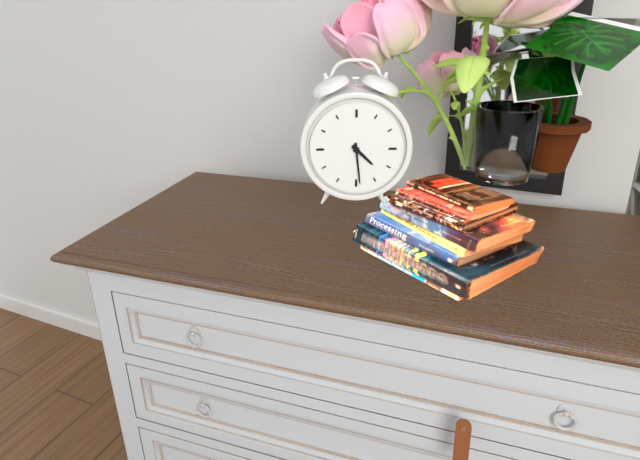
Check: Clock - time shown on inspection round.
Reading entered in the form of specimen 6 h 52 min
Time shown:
4 h 29 min
